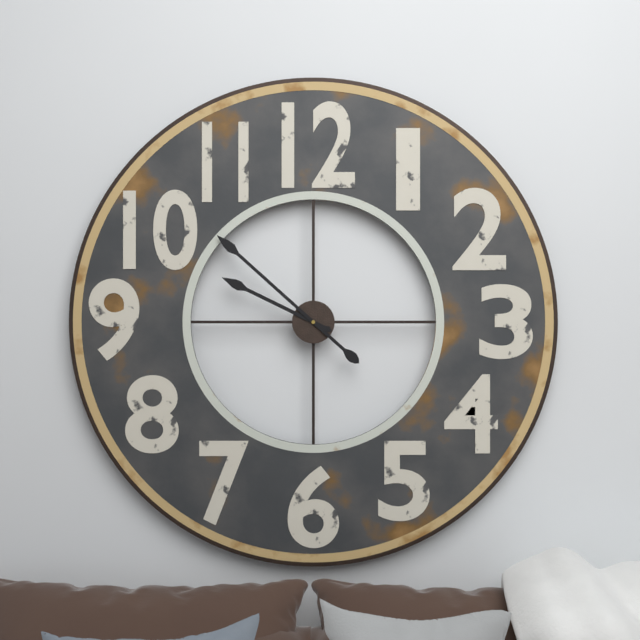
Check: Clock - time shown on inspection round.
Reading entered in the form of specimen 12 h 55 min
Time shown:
9 h 52 min
